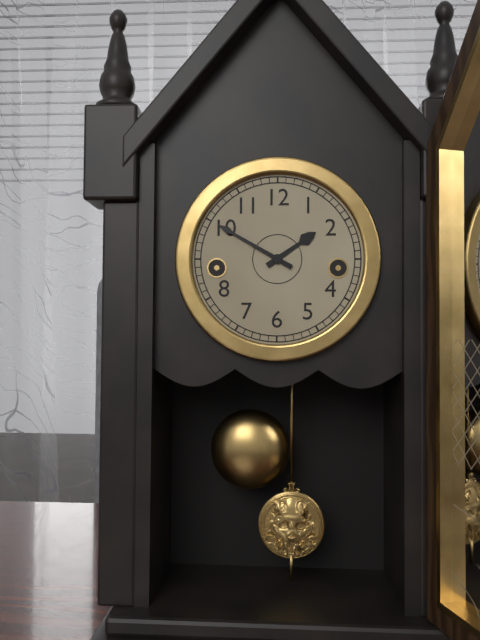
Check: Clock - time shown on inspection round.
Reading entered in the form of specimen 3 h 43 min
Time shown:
1 h 50 min
